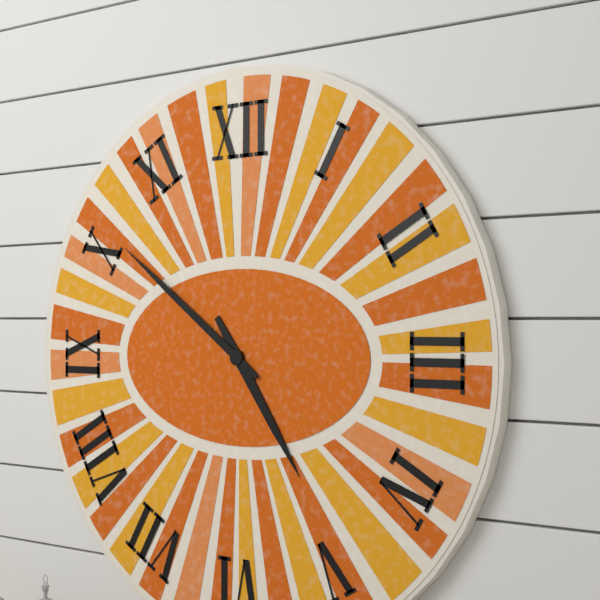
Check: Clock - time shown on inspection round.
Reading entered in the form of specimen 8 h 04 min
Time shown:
4 h 51 min
